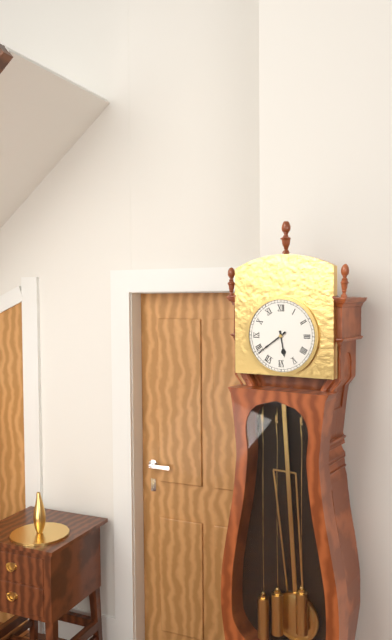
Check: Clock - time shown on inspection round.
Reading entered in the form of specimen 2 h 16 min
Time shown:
5 h 39 min
